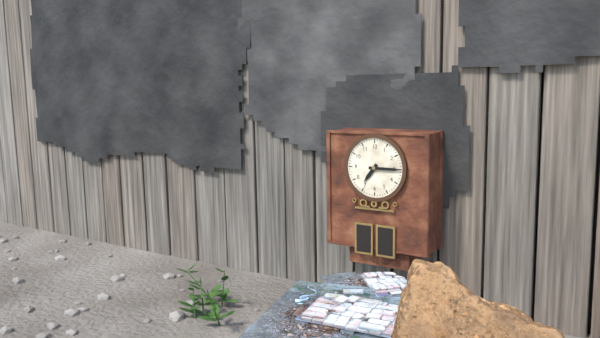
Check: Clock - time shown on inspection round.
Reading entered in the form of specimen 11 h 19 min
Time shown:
7 h 15 min
